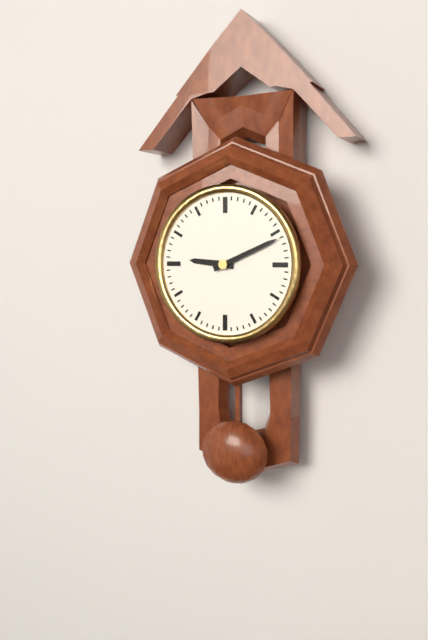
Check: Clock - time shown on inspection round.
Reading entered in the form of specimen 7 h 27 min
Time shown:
9 h 11 min
